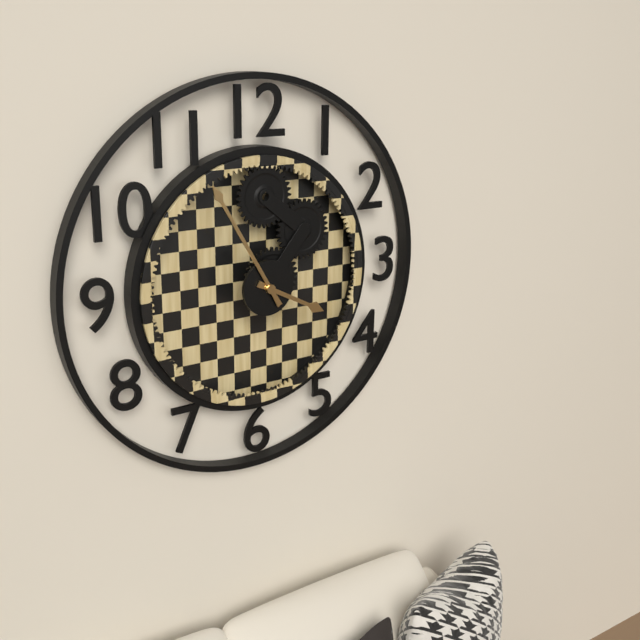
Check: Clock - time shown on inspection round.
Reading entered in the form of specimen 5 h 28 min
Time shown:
3 h 55 min
